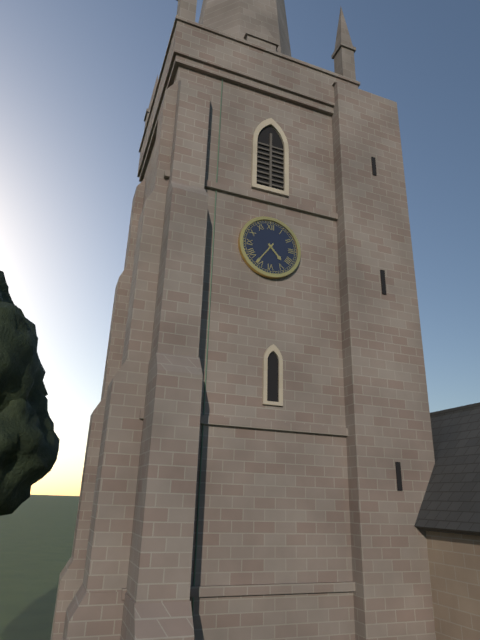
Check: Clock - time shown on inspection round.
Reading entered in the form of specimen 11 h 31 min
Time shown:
4 h 36 min
